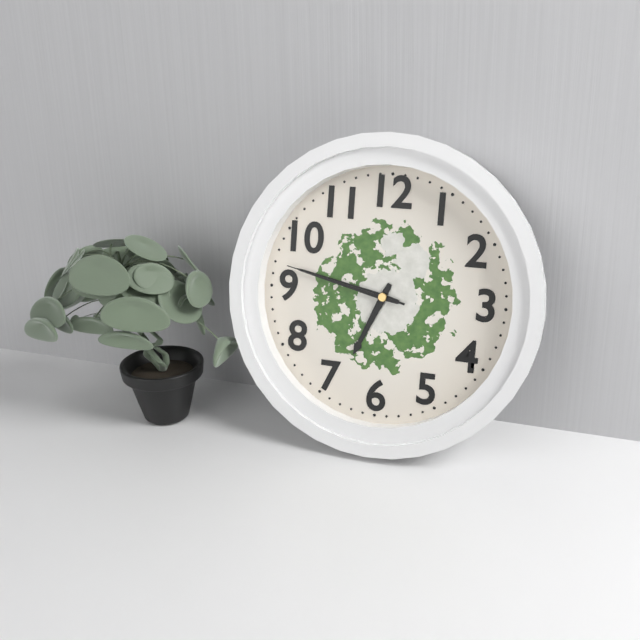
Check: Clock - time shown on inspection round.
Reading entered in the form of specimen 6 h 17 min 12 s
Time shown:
6 h 47 min 47 s
